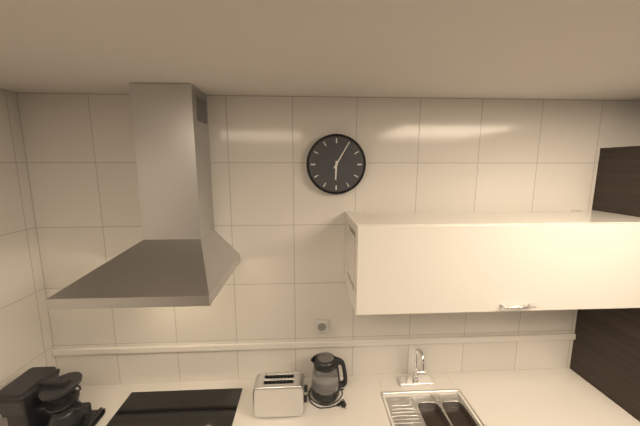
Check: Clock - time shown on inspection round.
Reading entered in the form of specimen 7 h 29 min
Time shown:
6 h 05 min
